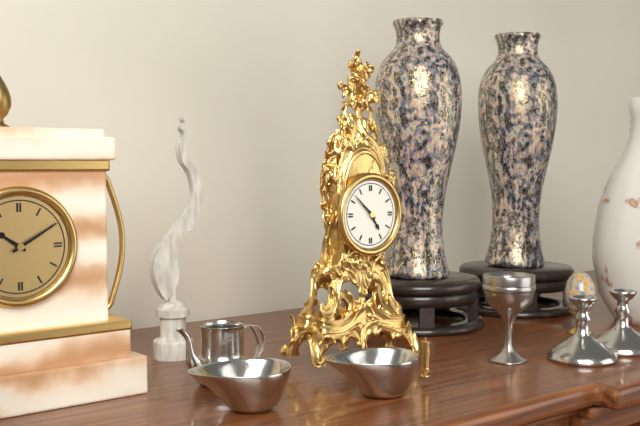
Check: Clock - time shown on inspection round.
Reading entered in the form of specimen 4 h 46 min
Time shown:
4 h 52 min
